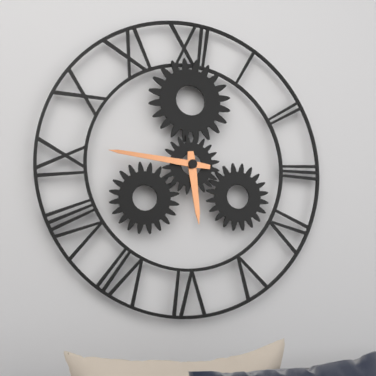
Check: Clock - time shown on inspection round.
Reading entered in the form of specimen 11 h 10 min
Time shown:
5 h 46 min
